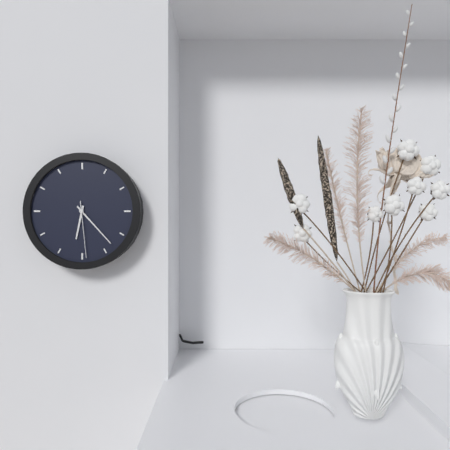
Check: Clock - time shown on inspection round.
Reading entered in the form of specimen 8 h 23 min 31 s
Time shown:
6 h 23 min 29 s
